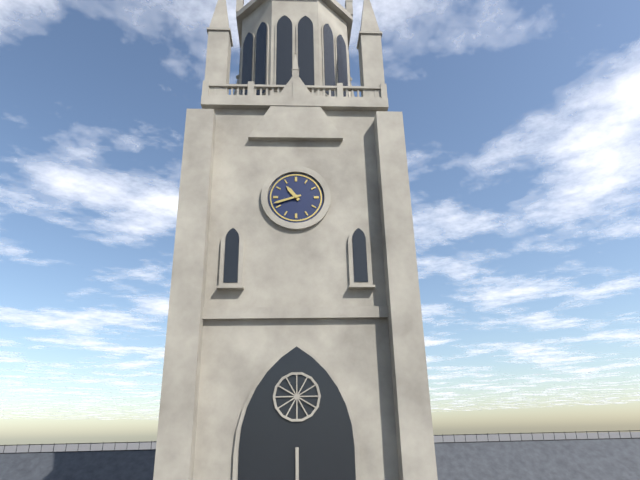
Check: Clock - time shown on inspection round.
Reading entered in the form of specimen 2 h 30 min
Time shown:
10 h 42 min
